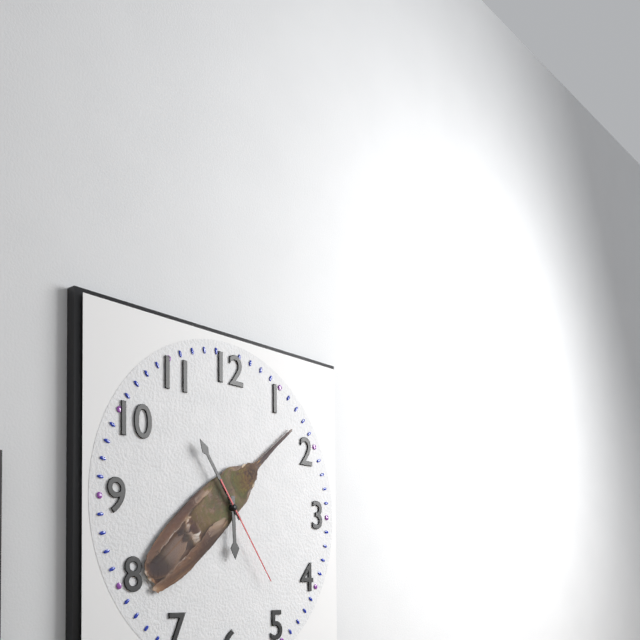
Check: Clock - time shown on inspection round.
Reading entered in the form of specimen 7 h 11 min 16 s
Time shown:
5 h 54 min 24 s
